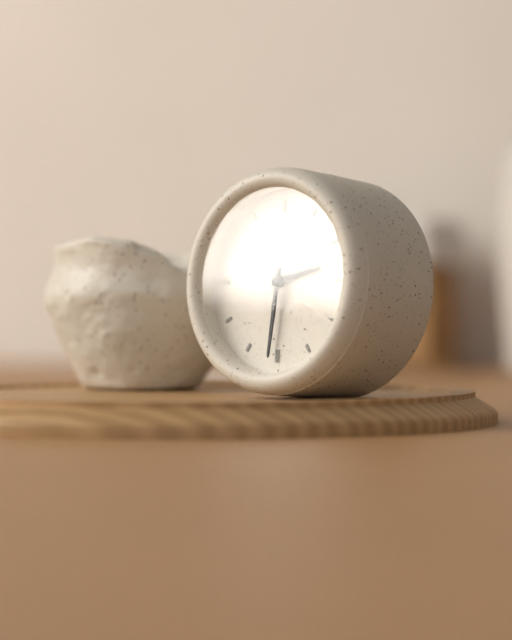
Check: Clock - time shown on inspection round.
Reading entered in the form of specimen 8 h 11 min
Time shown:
2 h 31 min
